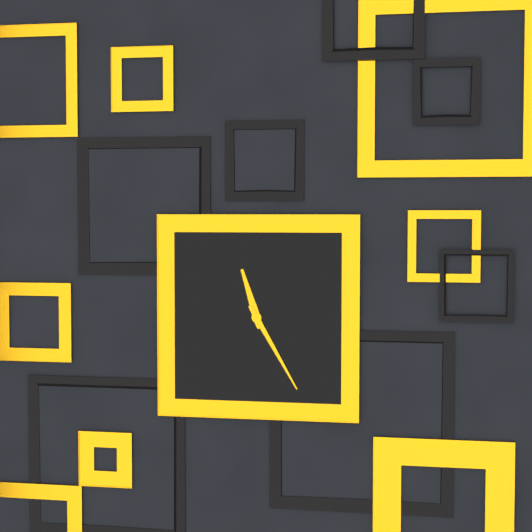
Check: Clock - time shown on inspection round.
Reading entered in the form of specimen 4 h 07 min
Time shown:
11 h 25 min
